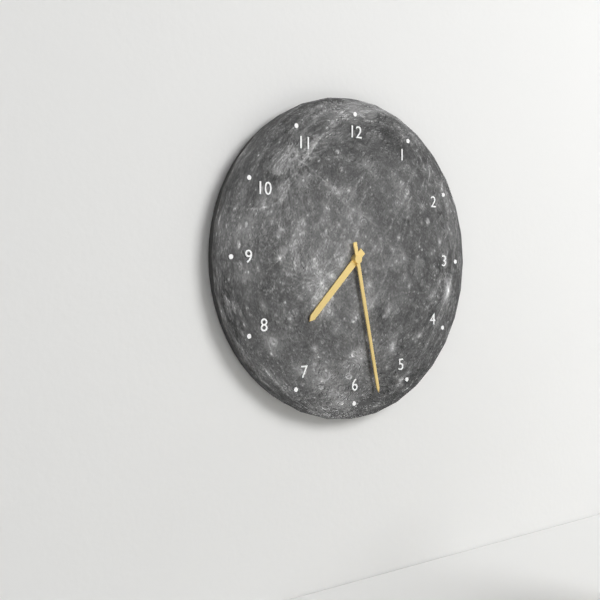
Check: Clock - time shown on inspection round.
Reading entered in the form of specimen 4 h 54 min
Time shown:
7 h 28 min
